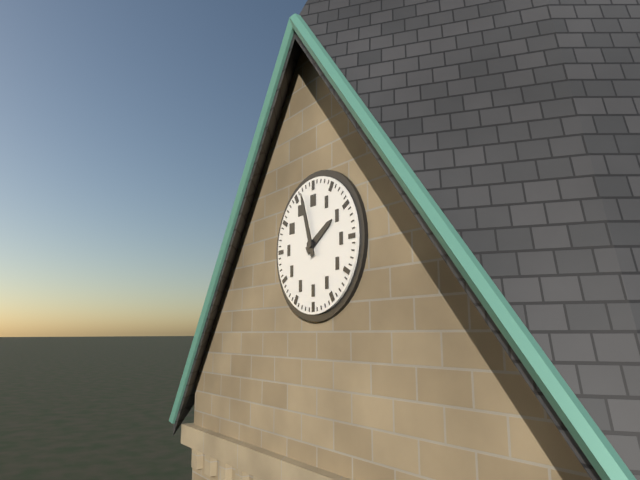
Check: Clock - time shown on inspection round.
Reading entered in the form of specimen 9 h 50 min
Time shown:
1 h 57 min
